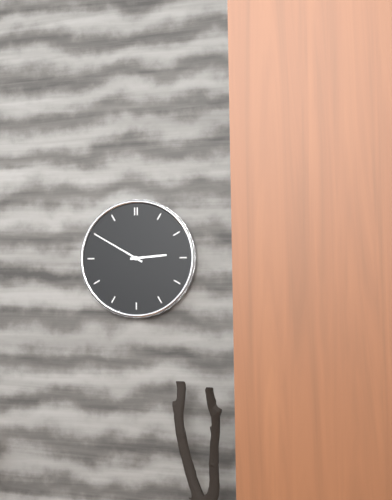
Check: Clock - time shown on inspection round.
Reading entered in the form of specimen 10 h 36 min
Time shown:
2 h 50 min
